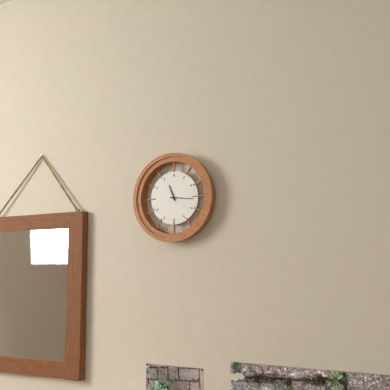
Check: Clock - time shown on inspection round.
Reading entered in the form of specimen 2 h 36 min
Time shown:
11 h 16 min
